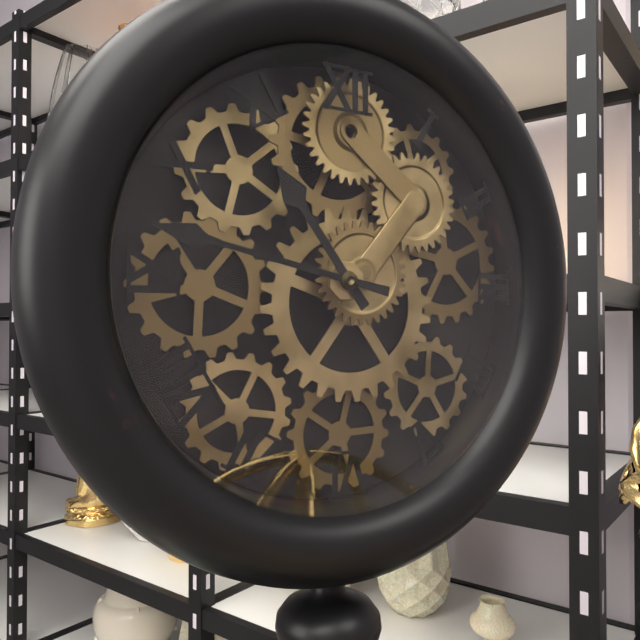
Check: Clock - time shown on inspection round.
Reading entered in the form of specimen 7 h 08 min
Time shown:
10 h 47 min
